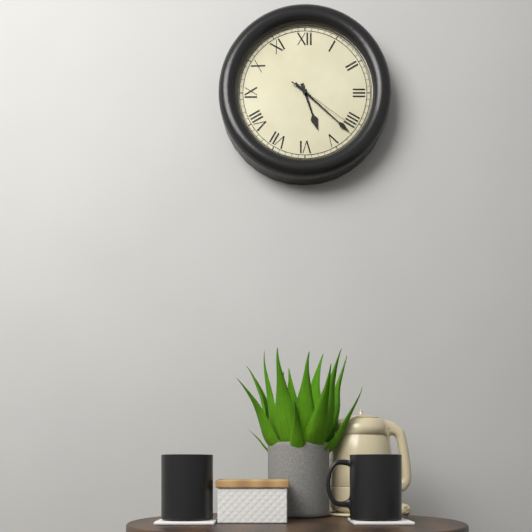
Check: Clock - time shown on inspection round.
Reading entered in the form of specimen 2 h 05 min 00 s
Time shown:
5 h 22 min 21 s
